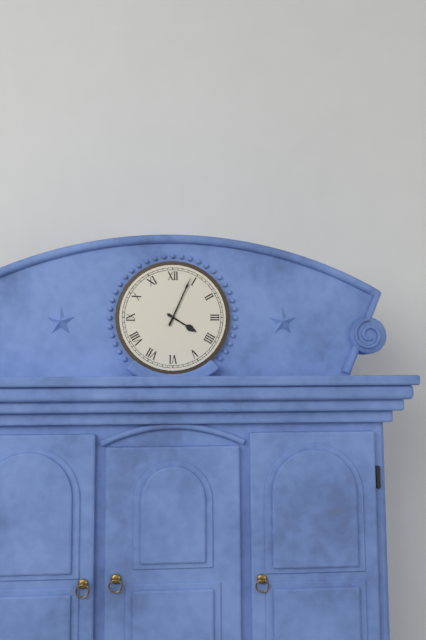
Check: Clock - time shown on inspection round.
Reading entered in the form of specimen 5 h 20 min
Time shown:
4 h 04 min
